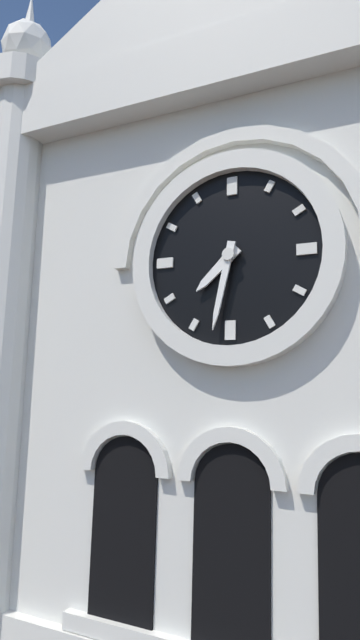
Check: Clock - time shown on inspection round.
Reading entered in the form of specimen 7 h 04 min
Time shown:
7 h 32 min
